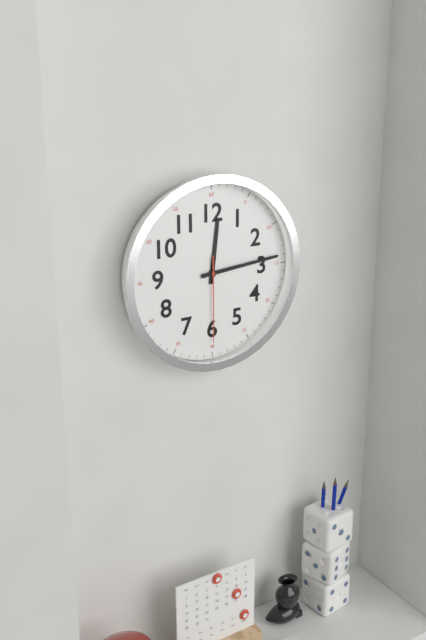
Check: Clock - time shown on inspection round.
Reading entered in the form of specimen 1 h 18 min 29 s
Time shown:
12 h 14 min 30 s
